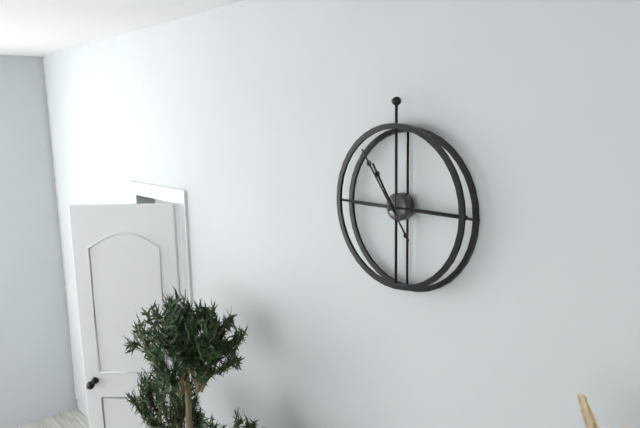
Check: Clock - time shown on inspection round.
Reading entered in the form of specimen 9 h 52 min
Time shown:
10 h 54 min
